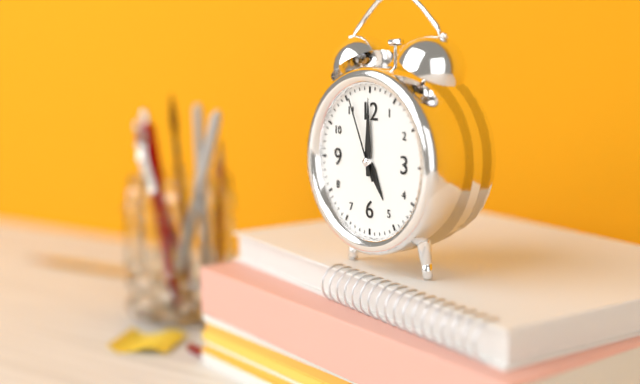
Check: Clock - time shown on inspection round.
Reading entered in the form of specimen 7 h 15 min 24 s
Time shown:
5 h 00 min 56 s
